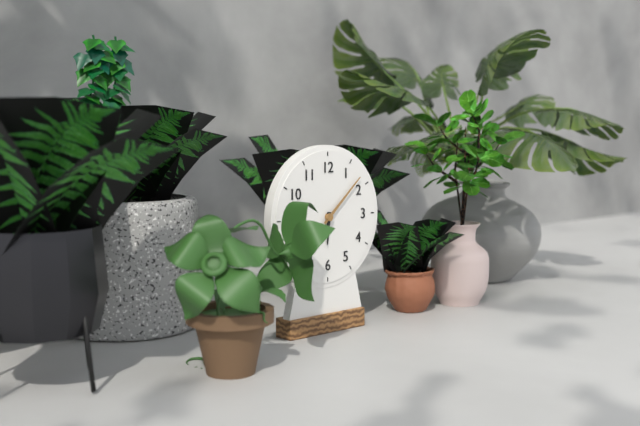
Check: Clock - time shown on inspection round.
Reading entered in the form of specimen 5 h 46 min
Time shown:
6 h 08 min
